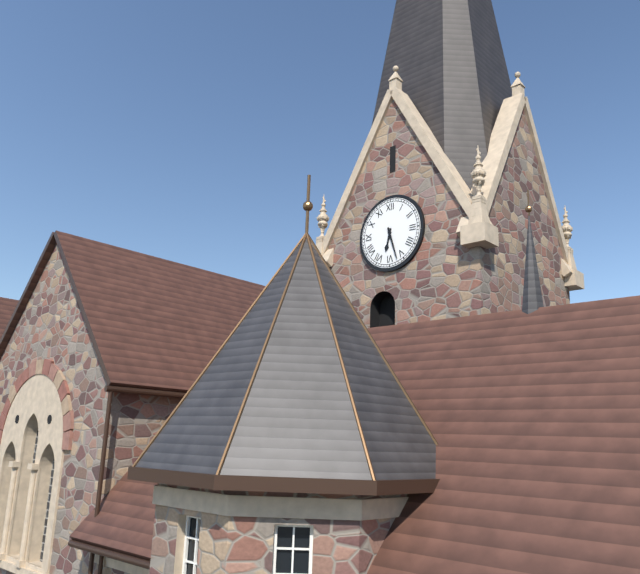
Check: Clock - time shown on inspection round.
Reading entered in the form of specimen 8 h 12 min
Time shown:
6 h 27 min
